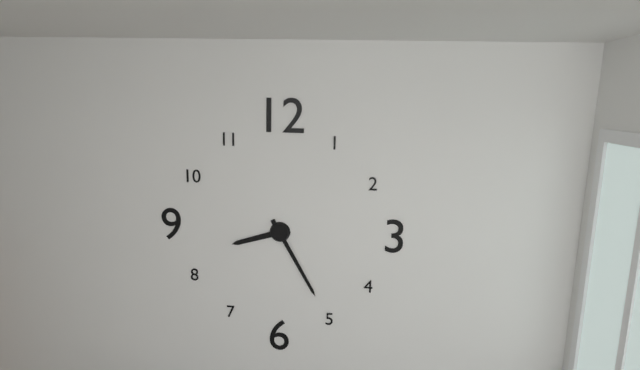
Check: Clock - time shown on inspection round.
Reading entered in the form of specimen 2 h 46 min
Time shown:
8 h 25 min
